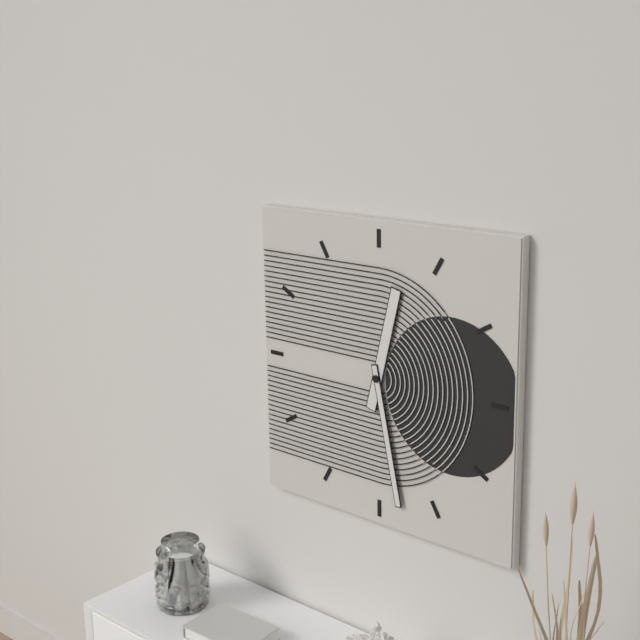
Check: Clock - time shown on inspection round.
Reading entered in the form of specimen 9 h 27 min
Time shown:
12 h 28 min
